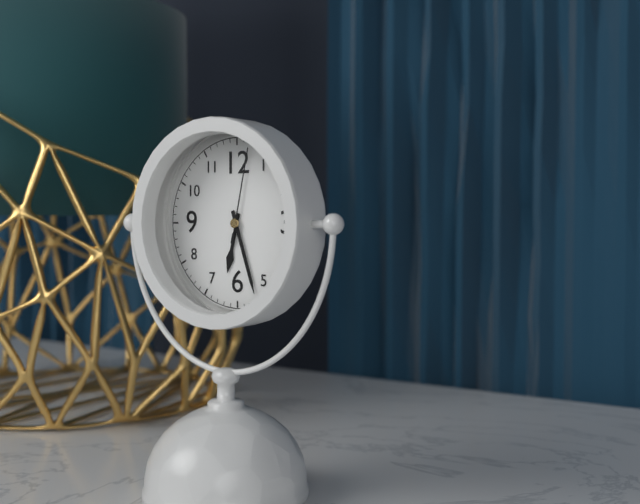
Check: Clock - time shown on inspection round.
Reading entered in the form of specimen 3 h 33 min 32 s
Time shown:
6 h 27 min 02 s
